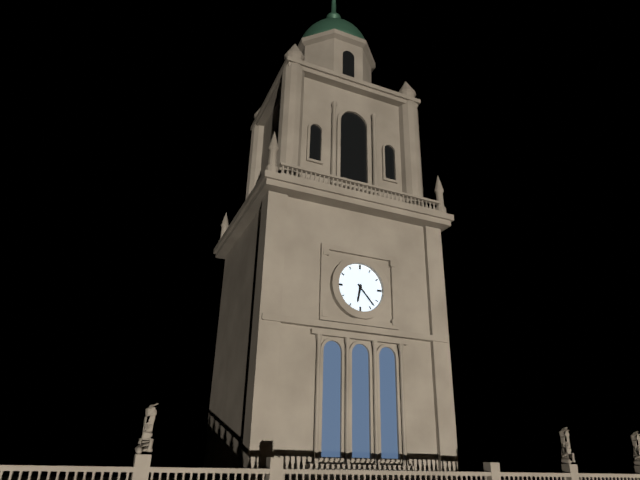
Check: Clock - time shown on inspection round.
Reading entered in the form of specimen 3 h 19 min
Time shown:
6 h 23 min
